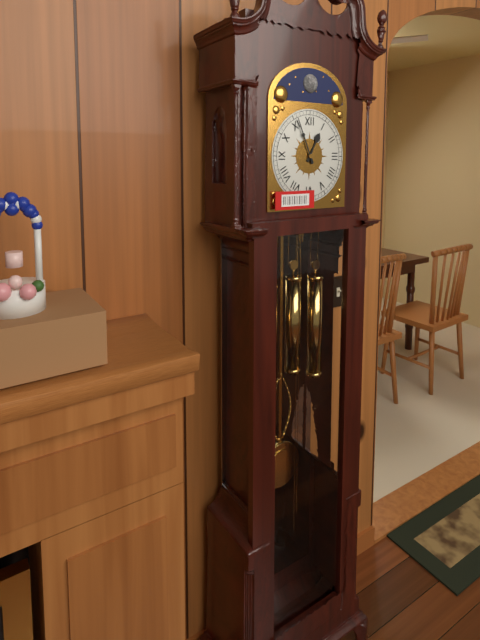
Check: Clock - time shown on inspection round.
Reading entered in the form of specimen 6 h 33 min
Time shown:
12 h 56 min
